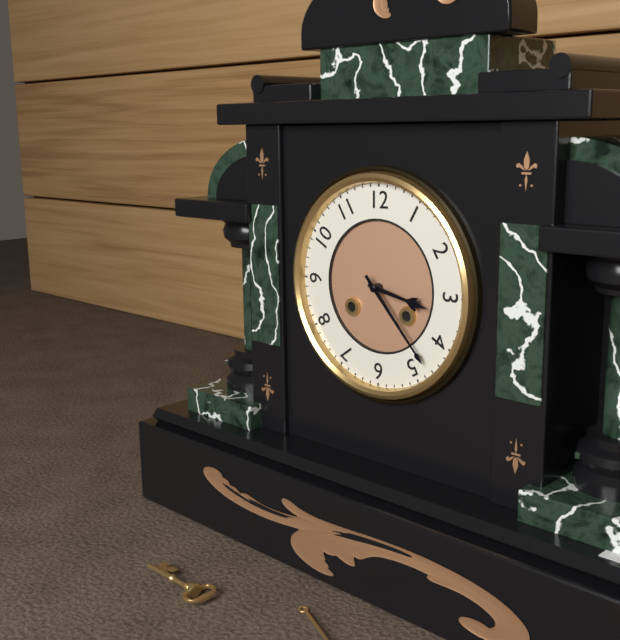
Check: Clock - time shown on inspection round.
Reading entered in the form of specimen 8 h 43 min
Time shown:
3 h 23 min
